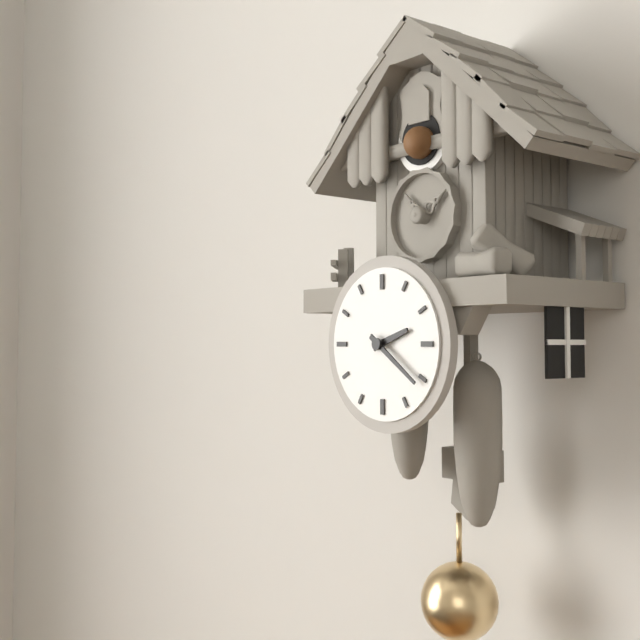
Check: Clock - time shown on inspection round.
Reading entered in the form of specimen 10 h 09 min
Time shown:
2 h 21 min
